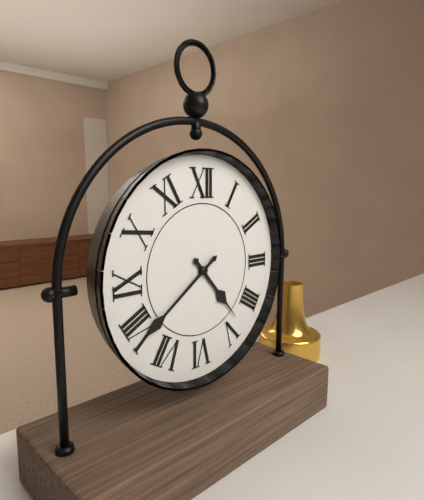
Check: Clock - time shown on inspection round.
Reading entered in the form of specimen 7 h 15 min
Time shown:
4 h 39 min
